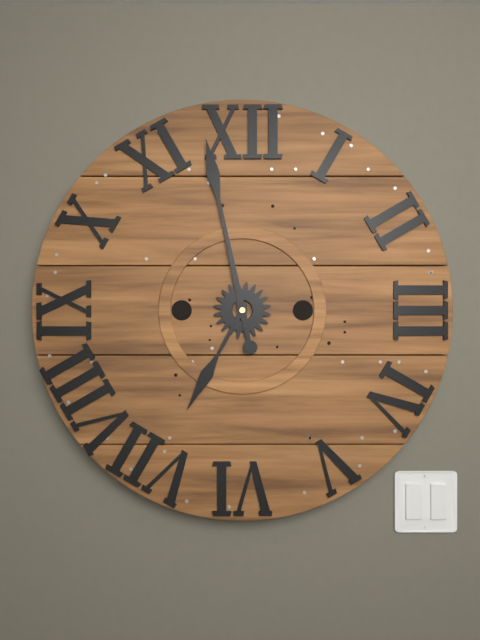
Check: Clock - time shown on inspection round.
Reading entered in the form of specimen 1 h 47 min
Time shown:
6 h 58 min
